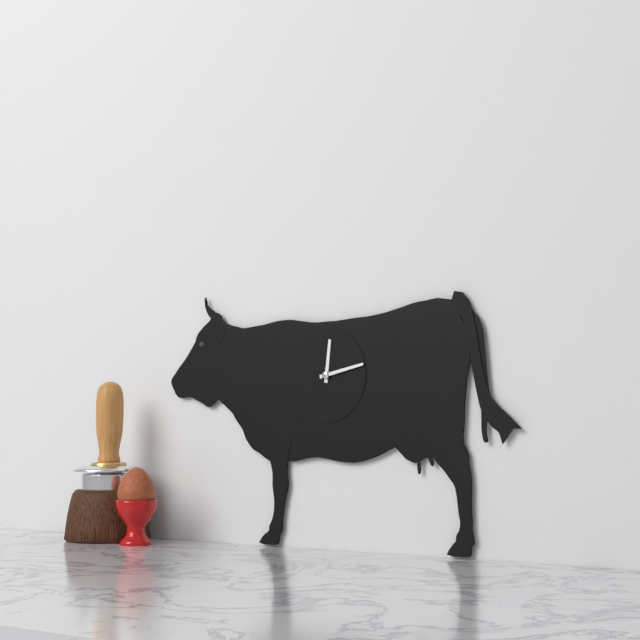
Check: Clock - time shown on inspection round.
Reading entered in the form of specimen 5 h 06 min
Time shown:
12 h 13 min
